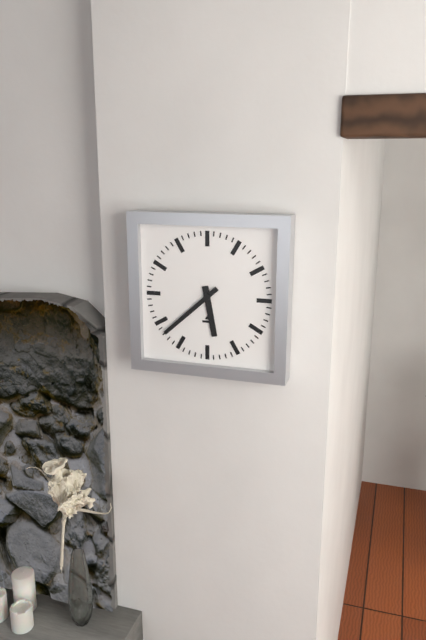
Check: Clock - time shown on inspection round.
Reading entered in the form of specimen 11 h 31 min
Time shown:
5 h 38 min
